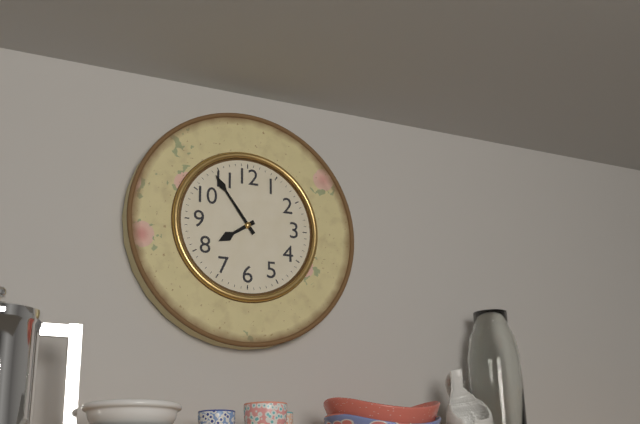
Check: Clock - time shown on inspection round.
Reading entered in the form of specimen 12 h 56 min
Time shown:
7 h 54 min
